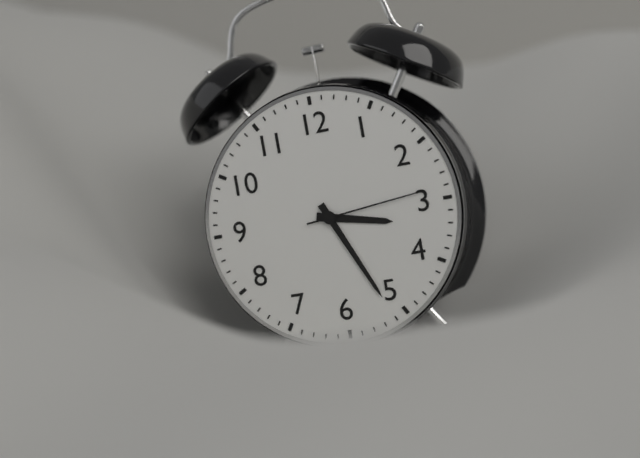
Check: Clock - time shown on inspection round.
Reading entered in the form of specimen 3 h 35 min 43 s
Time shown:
3 h 26 min 14 s
